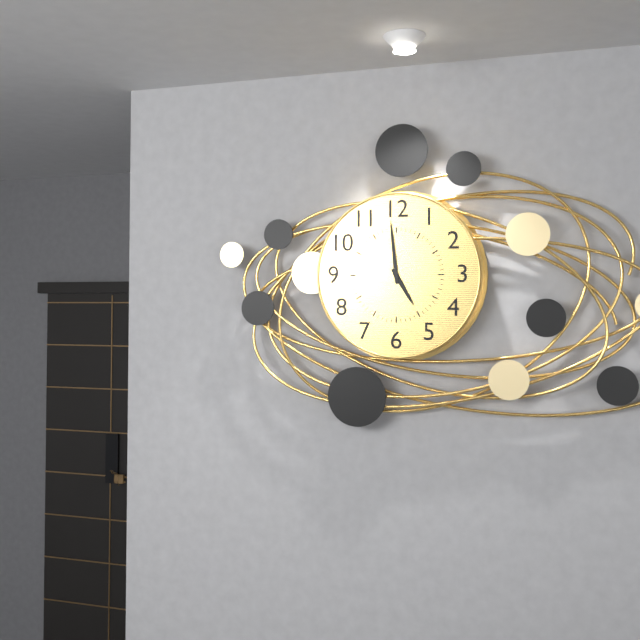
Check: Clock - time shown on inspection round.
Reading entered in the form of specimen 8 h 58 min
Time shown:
4 h 59 min
